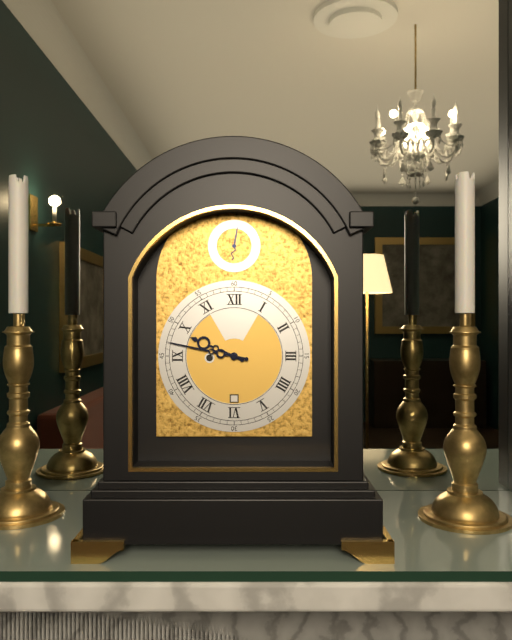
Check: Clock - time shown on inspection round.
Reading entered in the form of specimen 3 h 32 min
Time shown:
9 h 47 min
